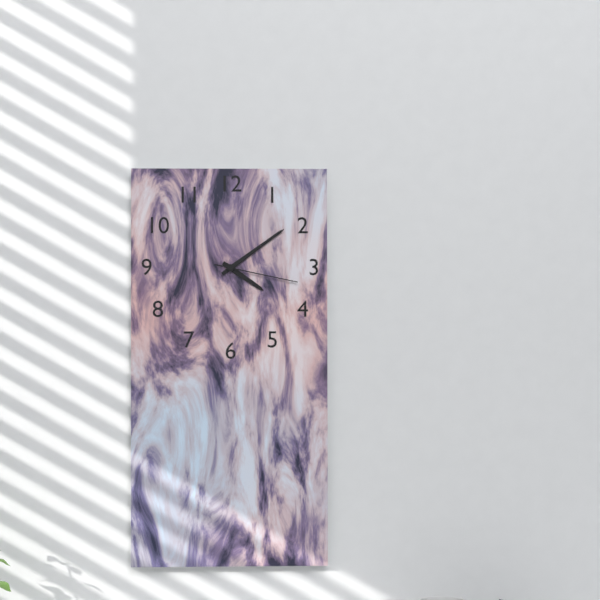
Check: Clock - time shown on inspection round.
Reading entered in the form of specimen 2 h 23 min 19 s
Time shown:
4 h 09 min 17 s
